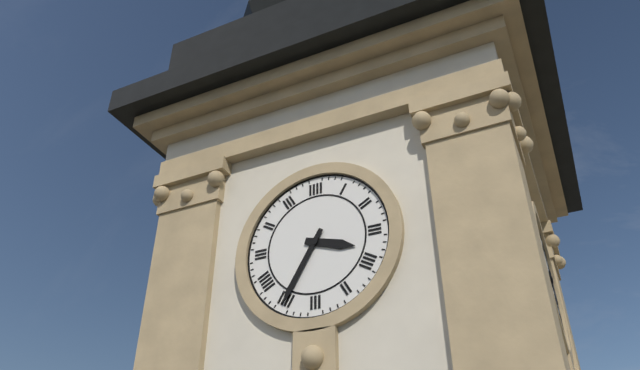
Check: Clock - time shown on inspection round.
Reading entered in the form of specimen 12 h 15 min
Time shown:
3 h 35 min
